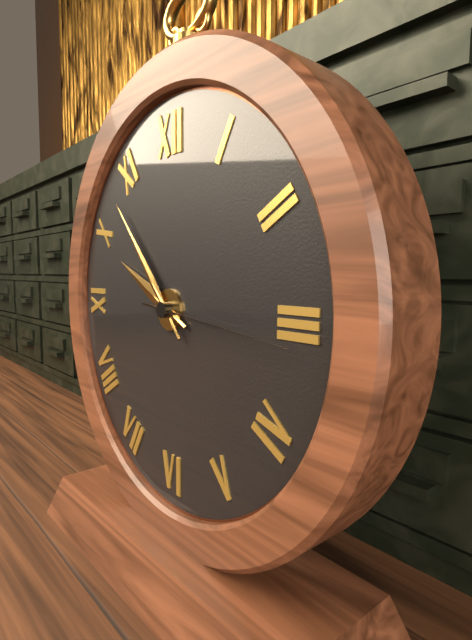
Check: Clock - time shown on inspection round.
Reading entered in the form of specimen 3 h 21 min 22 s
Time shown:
9 h 53 min 16 s
